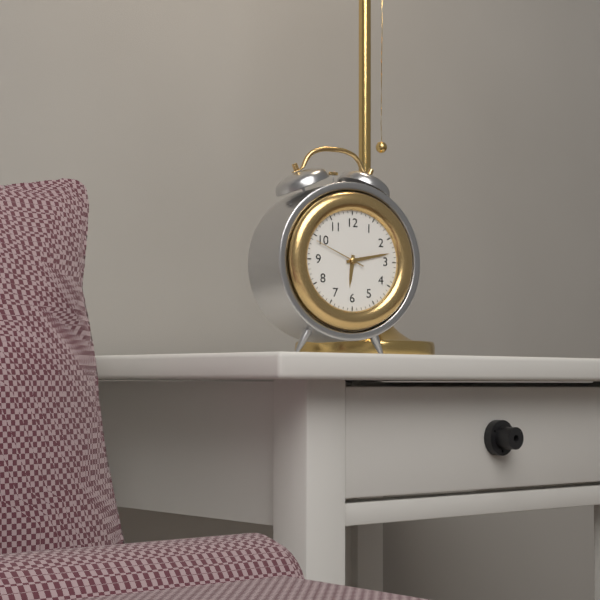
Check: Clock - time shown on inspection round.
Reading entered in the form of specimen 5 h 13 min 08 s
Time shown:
6 h 13 min 49 s
